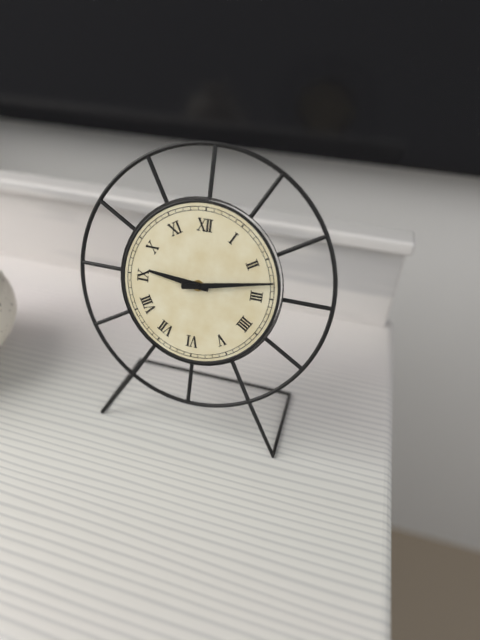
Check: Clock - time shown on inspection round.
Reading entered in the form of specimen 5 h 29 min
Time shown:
9 h 13 min
